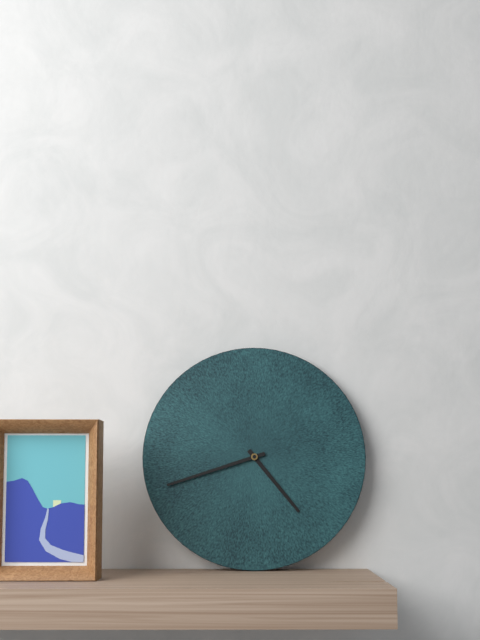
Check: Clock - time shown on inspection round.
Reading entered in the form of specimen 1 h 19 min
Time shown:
4 h 42 min
